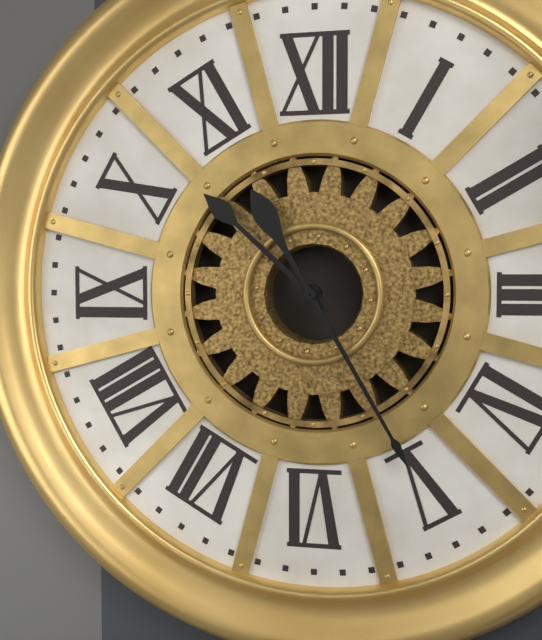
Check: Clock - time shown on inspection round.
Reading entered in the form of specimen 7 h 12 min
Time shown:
10 h 25 min
